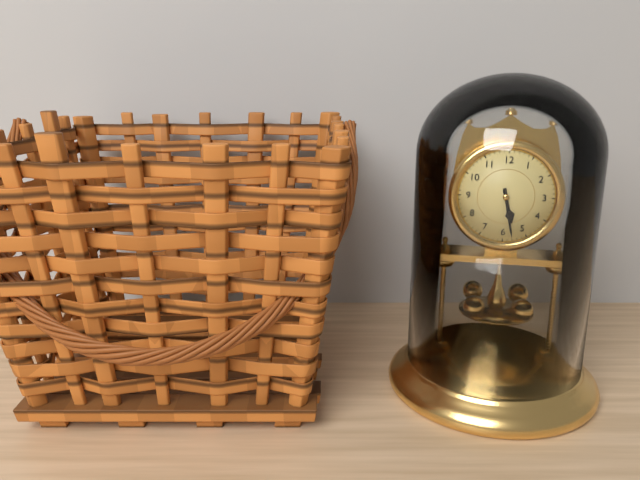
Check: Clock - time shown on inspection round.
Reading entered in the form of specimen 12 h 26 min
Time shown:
5 h 28 min
